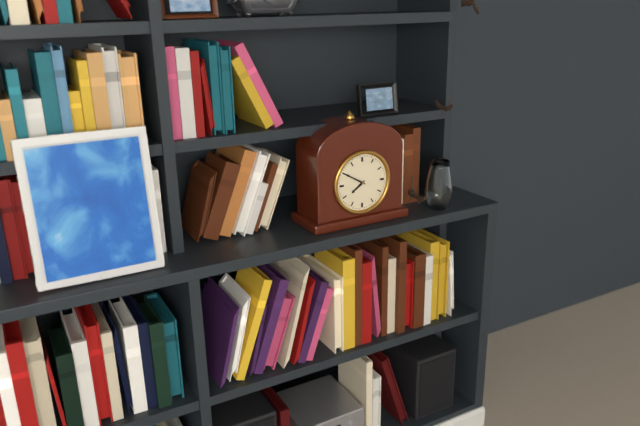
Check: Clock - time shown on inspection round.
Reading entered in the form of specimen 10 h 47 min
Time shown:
7 h 50 min
